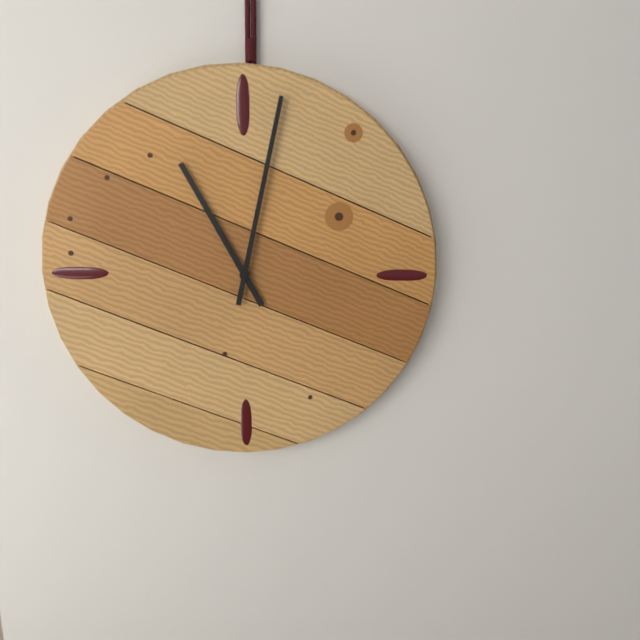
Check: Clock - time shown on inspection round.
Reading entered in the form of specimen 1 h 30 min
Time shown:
11 h 02 min
